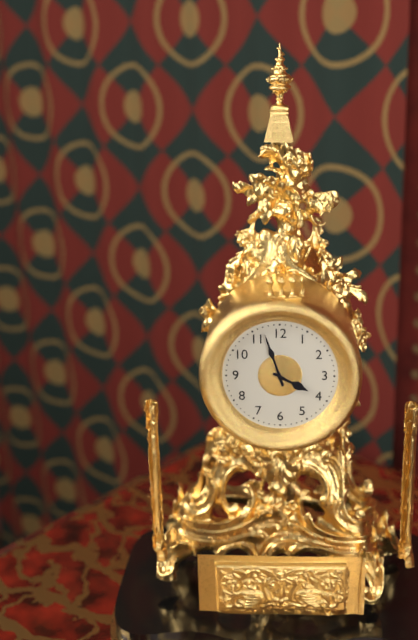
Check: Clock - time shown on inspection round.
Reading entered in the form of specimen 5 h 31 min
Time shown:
3 h 57 min
